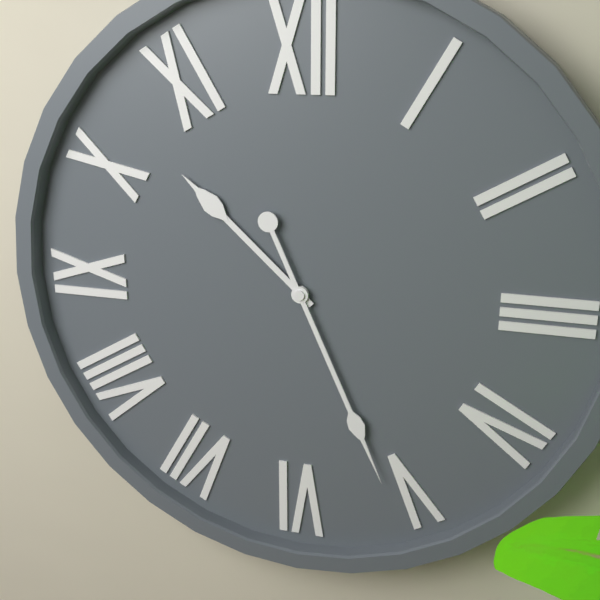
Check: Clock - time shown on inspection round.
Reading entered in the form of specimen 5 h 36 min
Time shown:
10 h 26 min
